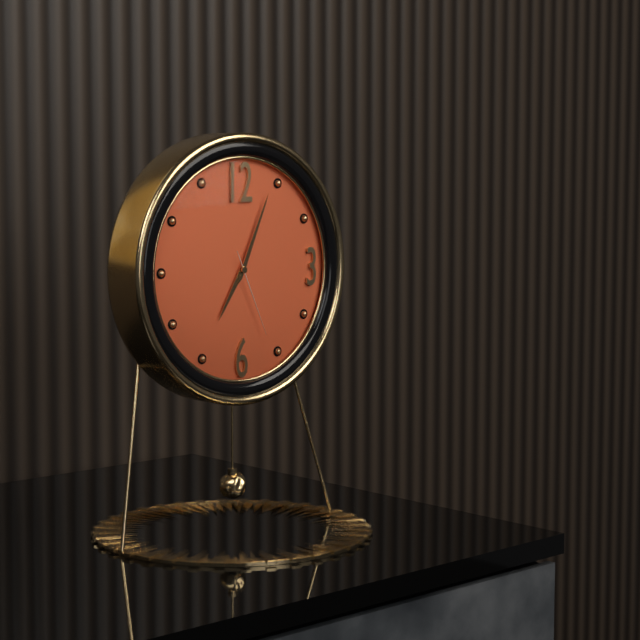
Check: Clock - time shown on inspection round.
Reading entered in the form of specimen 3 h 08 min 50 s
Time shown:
7 h 04 min 26 s
